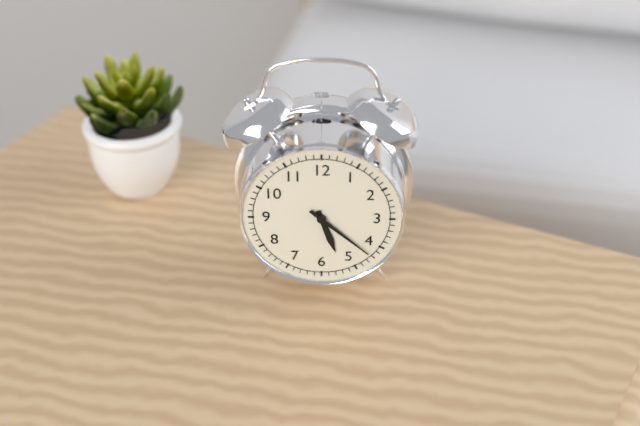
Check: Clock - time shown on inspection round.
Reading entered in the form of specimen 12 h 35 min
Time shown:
5 h 22 min
